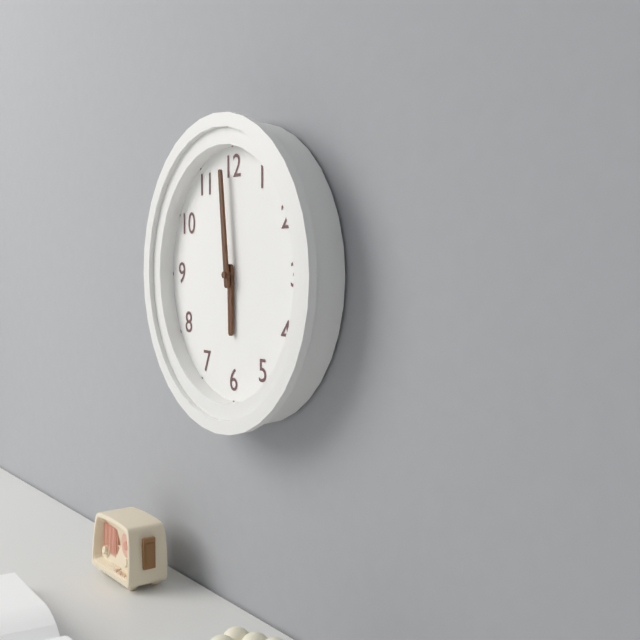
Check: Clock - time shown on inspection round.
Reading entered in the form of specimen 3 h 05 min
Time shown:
5 h 59 min
